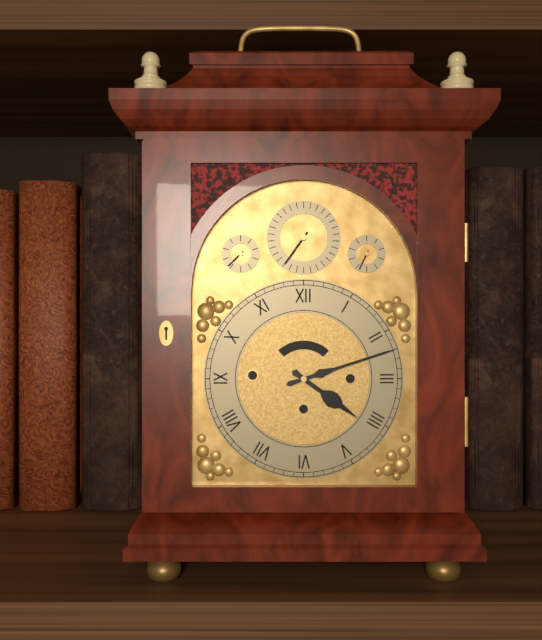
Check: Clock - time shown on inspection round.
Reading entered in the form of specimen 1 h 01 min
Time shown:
4 h 12 min
